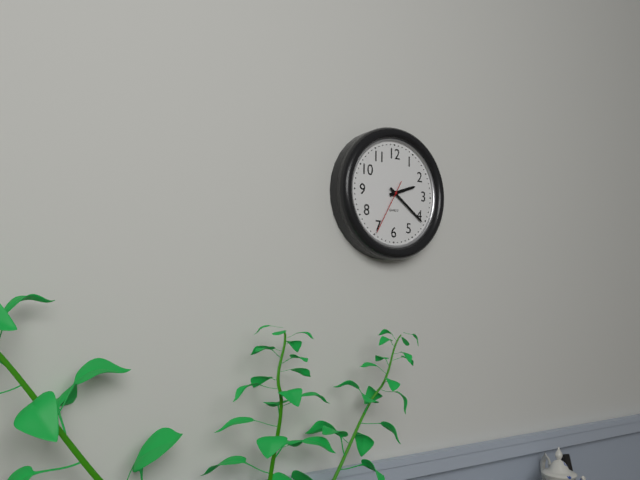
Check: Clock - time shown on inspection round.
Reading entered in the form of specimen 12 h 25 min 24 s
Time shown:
2 h 21 min 35 s
